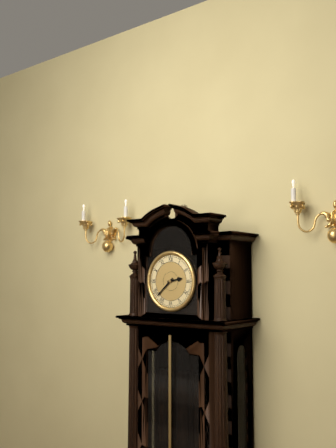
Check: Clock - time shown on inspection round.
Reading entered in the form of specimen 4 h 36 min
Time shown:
2 h 38 min
